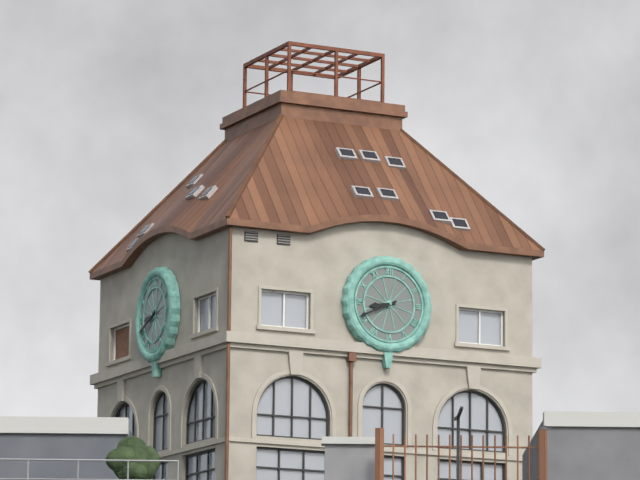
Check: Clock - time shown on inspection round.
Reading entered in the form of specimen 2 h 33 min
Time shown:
8 h 41 min
